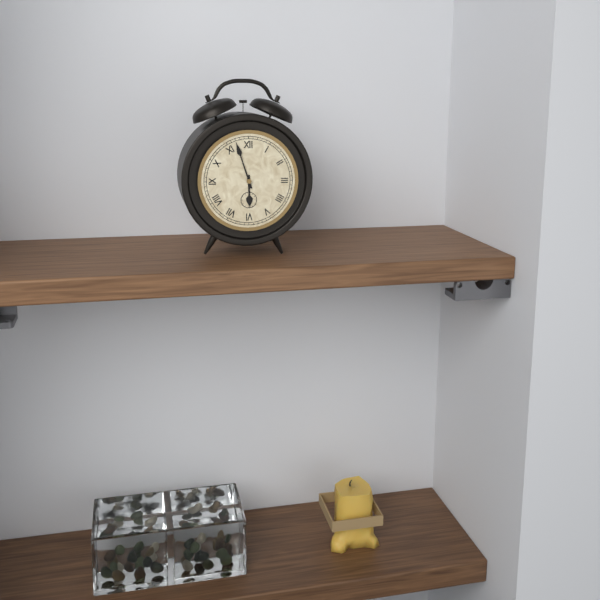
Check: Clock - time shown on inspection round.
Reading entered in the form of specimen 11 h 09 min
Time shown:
5 h 57 min
